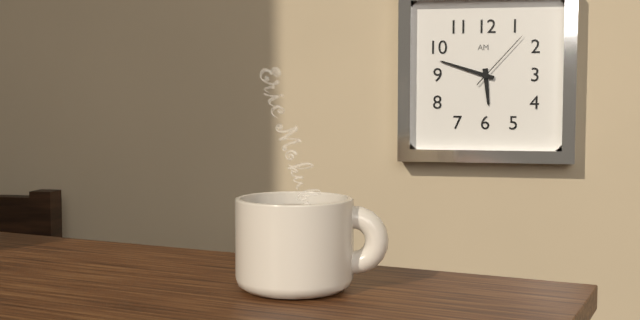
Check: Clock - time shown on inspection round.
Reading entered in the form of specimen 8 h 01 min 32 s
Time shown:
5 h 48 min 07 s
